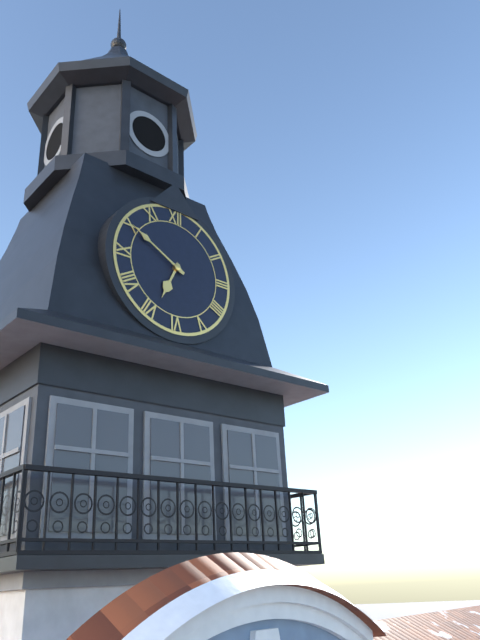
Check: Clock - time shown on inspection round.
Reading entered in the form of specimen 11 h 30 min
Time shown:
6 h 50 min
